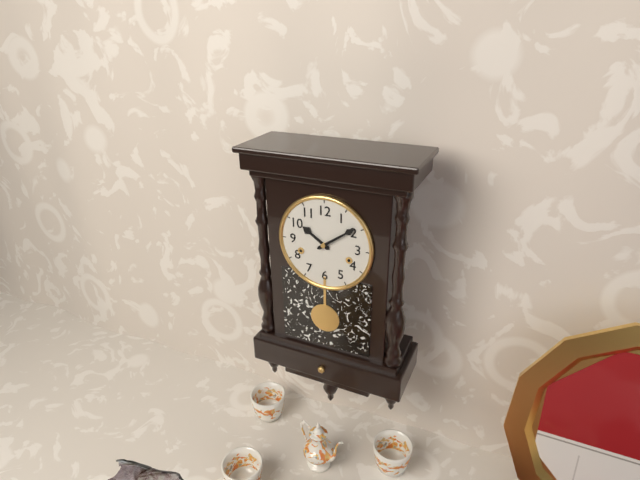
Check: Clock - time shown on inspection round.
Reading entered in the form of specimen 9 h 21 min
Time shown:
10 h 09 min
